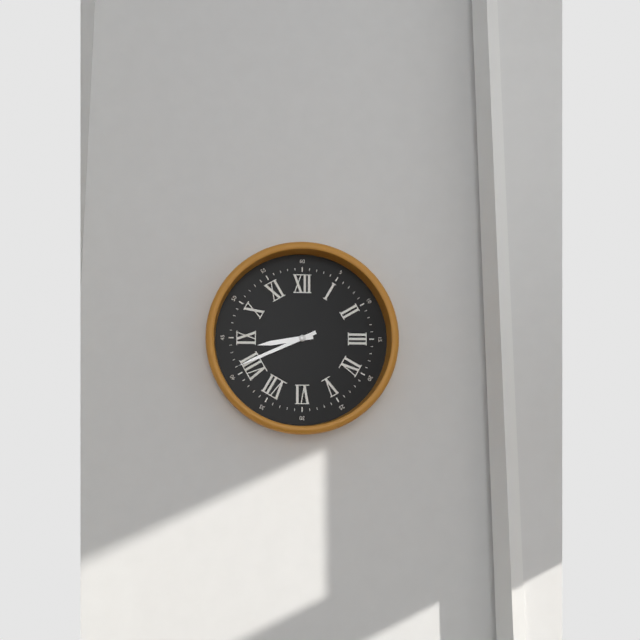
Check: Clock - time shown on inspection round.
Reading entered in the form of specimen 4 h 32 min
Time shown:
8 h 41 min
